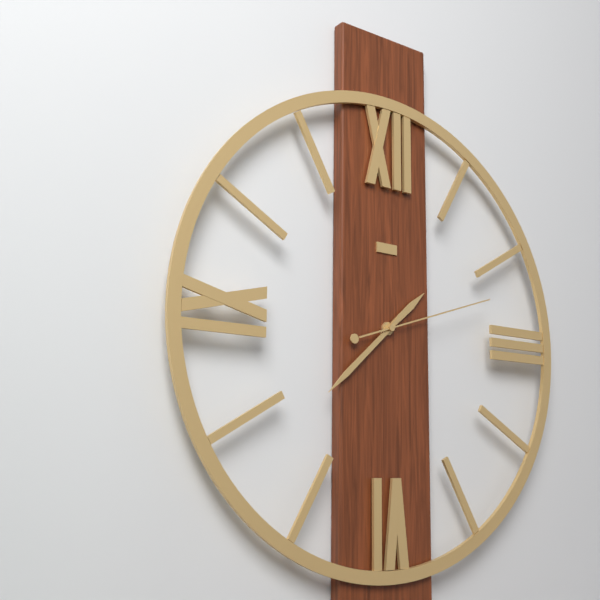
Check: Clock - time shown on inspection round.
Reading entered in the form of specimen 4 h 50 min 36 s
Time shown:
1 h 38 min 12 s
